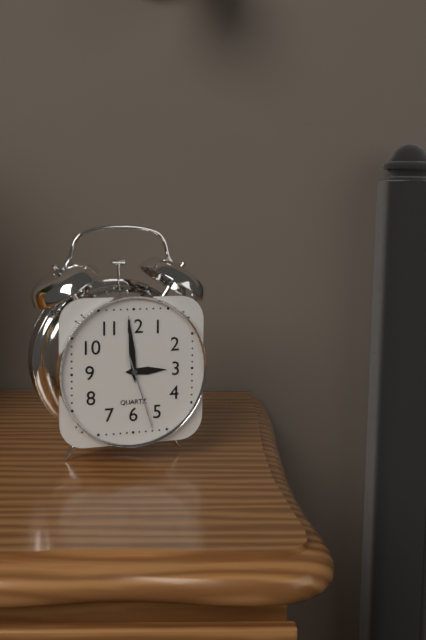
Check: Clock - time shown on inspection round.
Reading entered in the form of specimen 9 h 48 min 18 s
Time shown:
2 h 59 min 27 s
